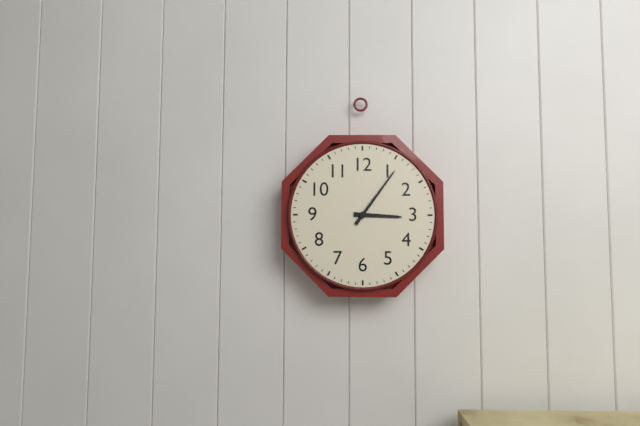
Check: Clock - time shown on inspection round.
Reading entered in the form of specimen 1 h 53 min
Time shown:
3 h 06 min
